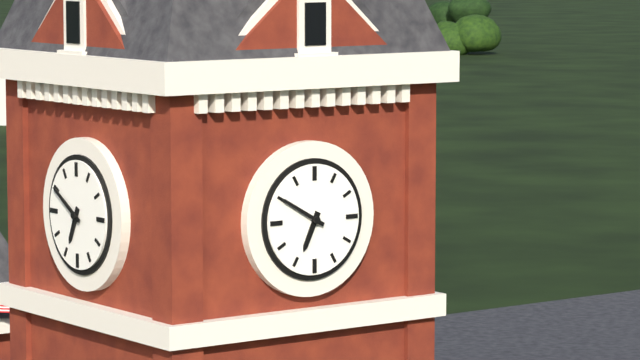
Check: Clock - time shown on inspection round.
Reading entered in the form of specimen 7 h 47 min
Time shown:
6 h 50 min
